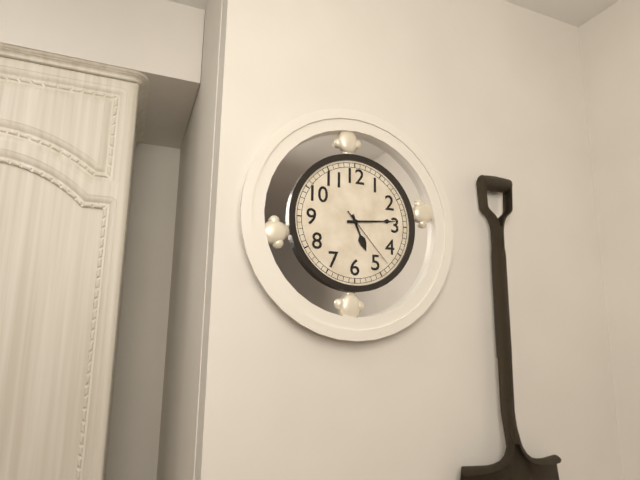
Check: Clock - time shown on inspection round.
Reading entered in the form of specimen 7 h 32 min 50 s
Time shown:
5 h 14 min 23 s
